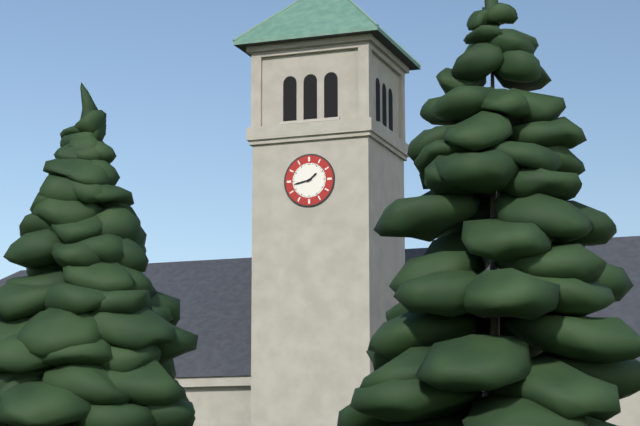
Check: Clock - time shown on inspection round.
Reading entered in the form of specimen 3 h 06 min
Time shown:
1 h 43 min
